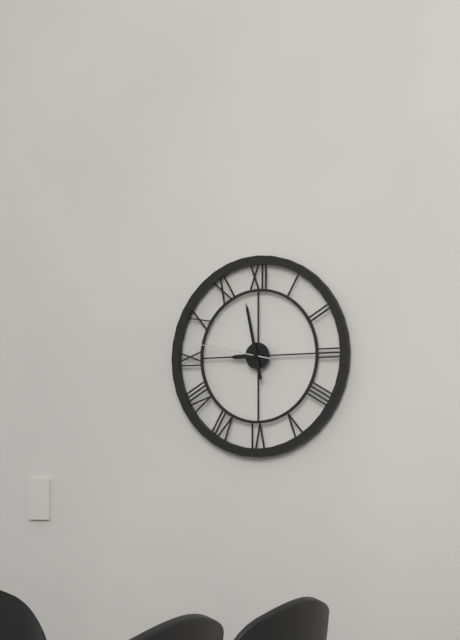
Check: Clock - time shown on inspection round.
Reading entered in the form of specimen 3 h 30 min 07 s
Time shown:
8 h 58 min 47 s
